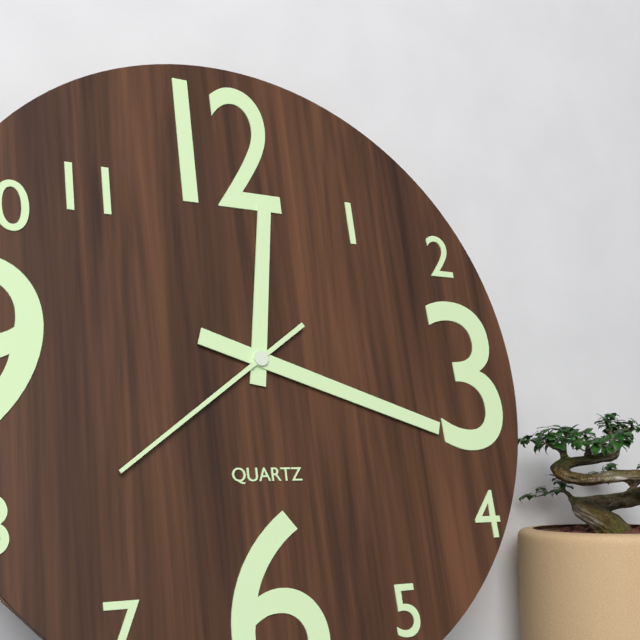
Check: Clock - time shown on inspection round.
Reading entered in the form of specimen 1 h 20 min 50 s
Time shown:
12 h 18 min 39 s
